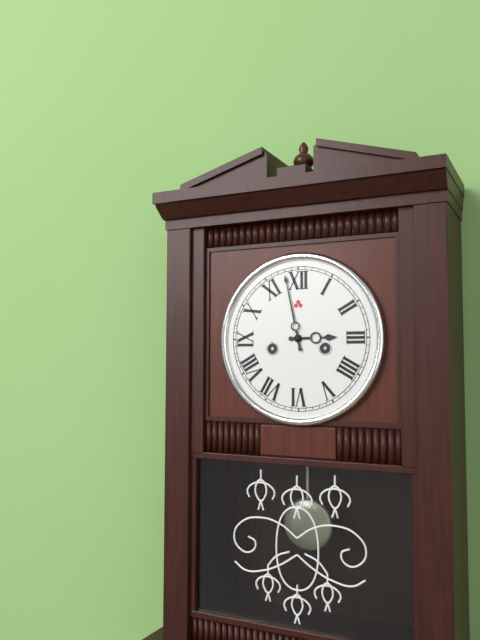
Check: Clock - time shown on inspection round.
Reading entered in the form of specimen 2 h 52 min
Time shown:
2 h 58 min
